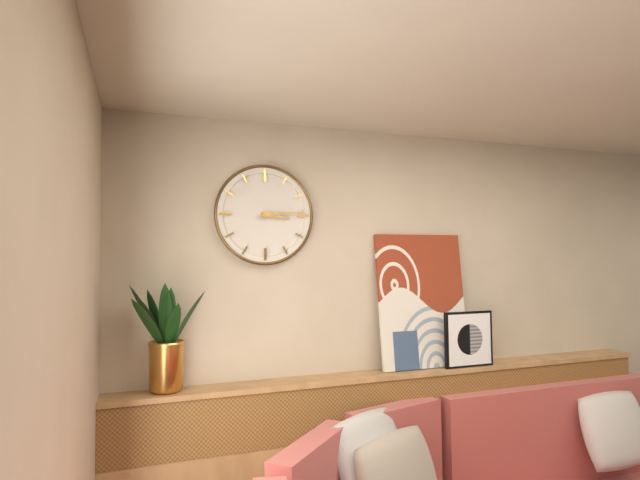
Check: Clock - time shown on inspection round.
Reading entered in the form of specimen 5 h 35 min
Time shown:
3 h 14 min
